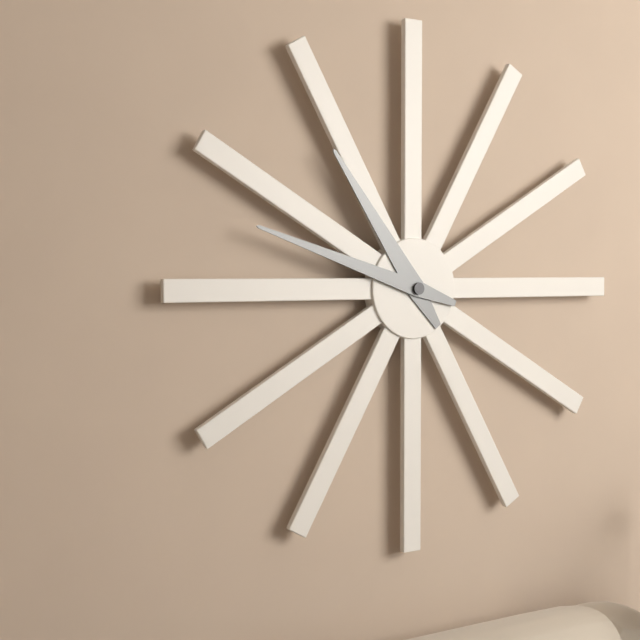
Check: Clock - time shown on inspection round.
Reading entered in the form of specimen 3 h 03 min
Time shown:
10 h 48 min
